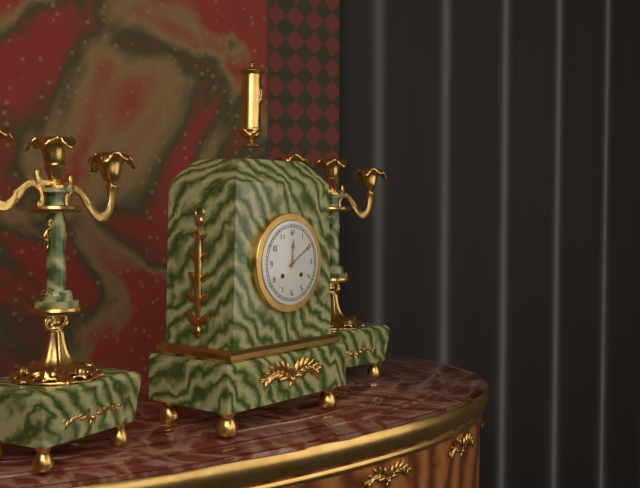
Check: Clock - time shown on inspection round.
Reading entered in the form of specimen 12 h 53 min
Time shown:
12 h 10 min
